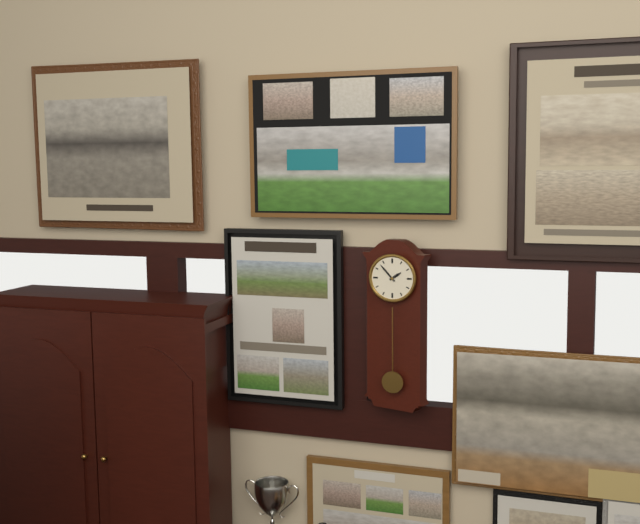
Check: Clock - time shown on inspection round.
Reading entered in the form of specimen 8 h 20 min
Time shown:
1 h 53 min
